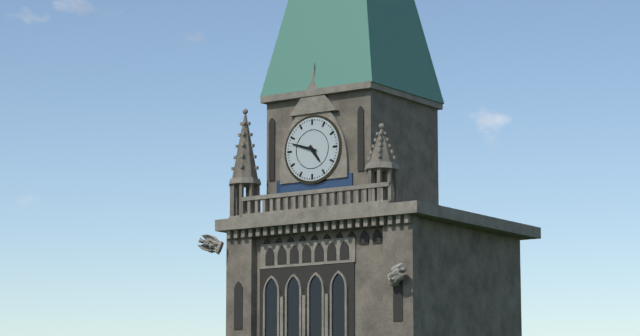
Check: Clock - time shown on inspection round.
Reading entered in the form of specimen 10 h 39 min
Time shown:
4 h 48 min
